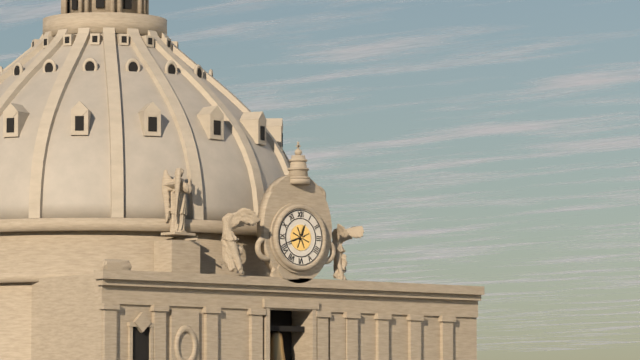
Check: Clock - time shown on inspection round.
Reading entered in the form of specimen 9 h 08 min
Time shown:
12 h 42 min
